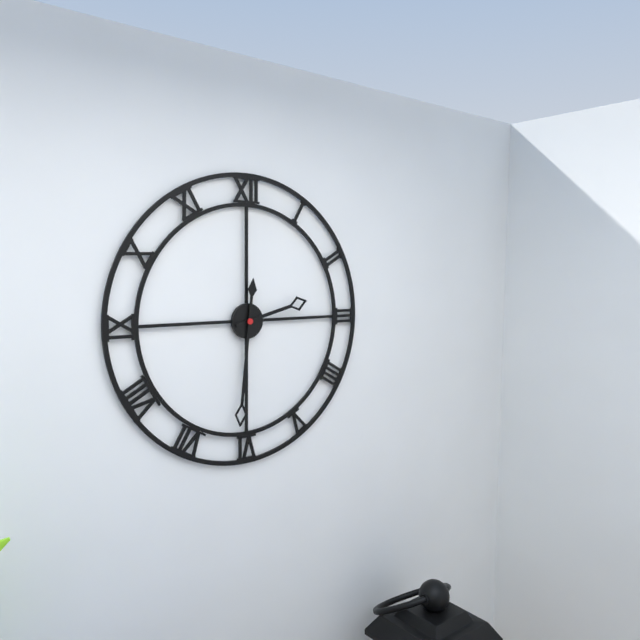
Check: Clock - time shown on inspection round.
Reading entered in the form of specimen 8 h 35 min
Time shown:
2 h 31 min
